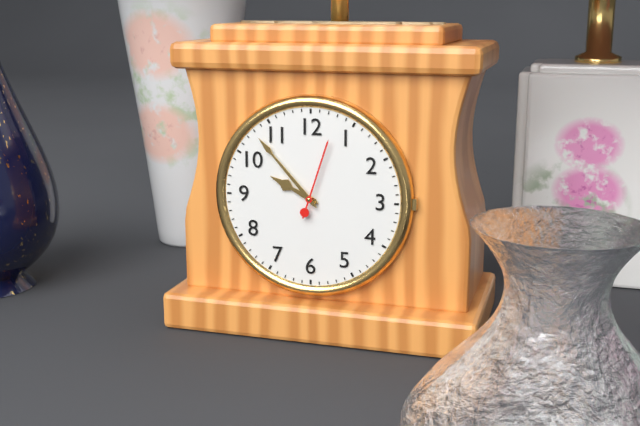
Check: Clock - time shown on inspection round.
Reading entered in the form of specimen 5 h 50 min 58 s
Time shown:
9 h 53 min 03 s
